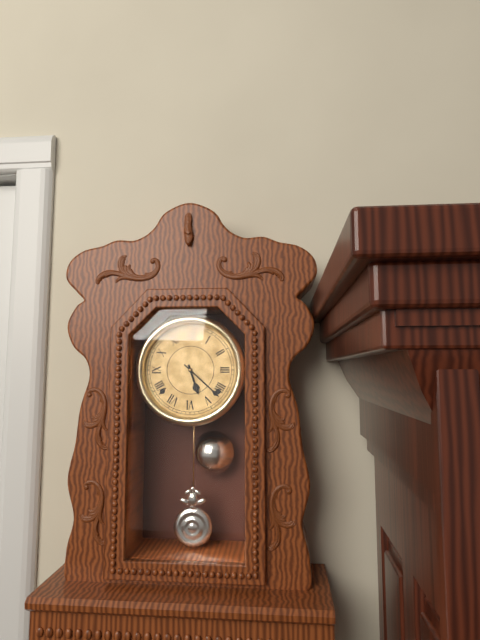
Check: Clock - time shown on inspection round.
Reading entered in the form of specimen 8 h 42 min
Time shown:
5 h 22 min
